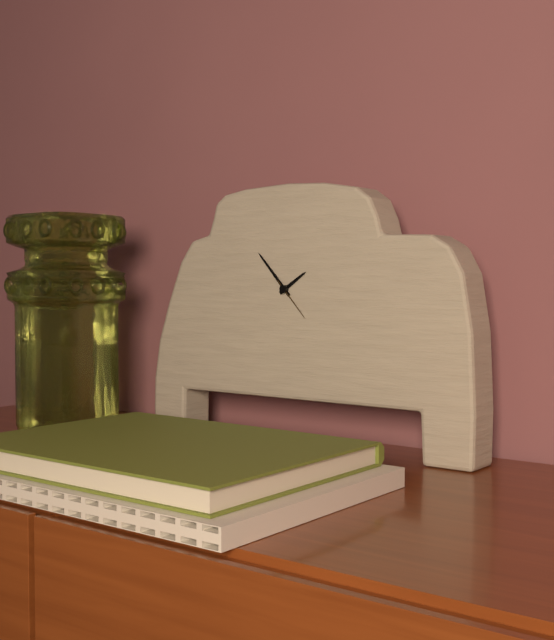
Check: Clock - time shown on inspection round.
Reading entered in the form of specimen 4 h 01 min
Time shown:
1 h 53 min
